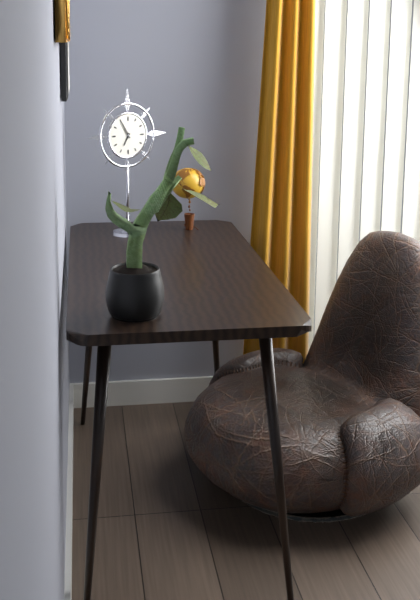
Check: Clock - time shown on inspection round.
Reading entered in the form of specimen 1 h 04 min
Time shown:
6 h 55 min
